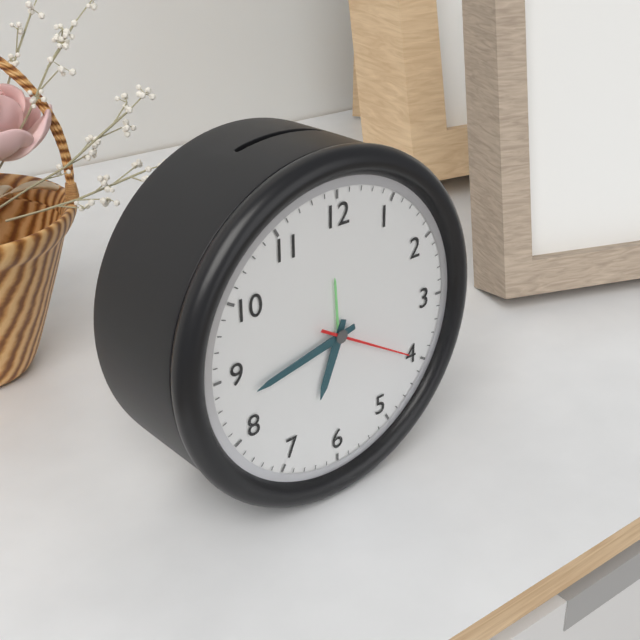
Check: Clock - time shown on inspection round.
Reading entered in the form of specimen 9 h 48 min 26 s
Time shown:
6 h 43 min 20 s
